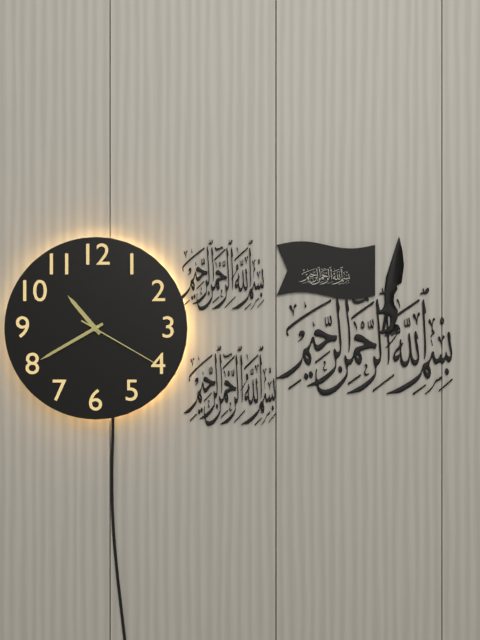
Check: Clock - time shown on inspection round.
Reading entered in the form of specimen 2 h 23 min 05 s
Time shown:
10 h 40 min 20 s
